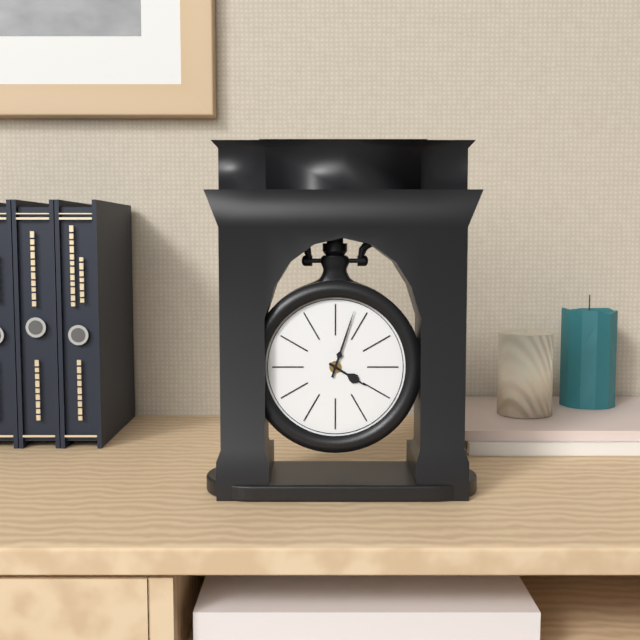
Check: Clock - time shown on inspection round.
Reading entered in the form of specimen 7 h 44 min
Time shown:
4 h 03 min
